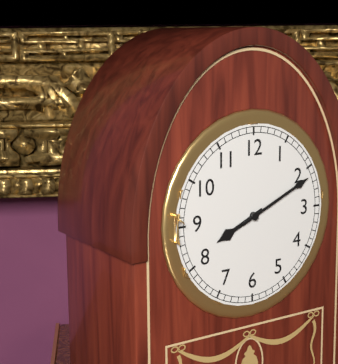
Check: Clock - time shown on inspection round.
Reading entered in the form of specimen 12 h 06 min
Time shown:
8 h 11 min
